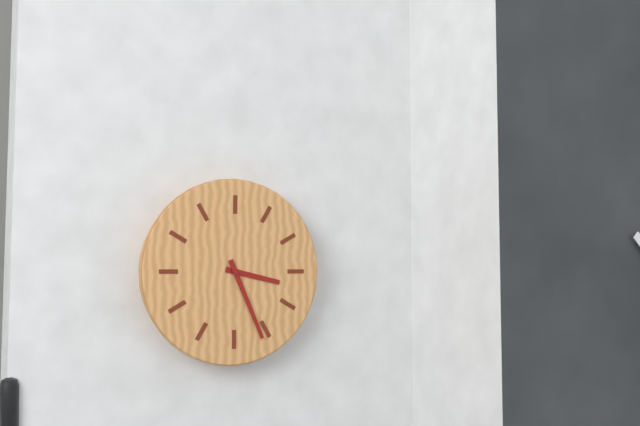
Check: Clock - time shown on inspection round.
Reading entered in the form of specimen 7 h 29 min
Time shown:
3 h 26 min
